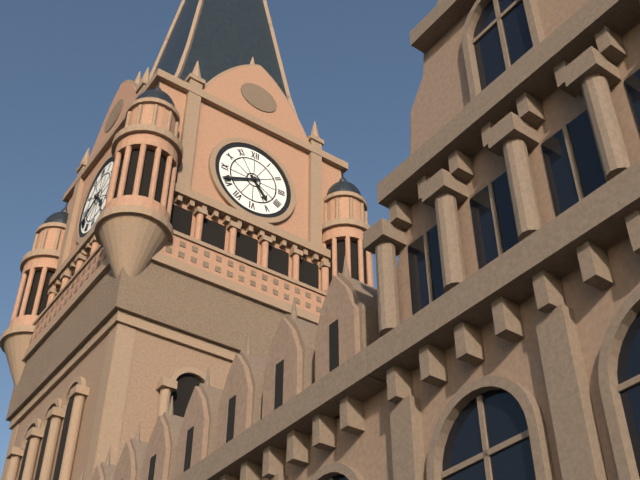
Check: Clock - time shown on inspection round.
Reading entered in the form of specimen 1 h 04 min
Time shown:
4 h 41 min
